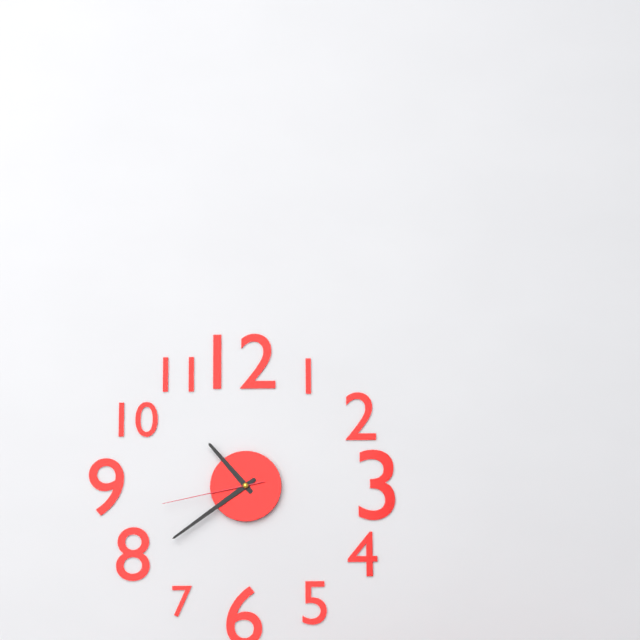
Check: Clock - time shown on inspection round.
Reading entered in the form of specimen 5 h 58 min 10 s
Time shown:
10 h 39 min 43 s
